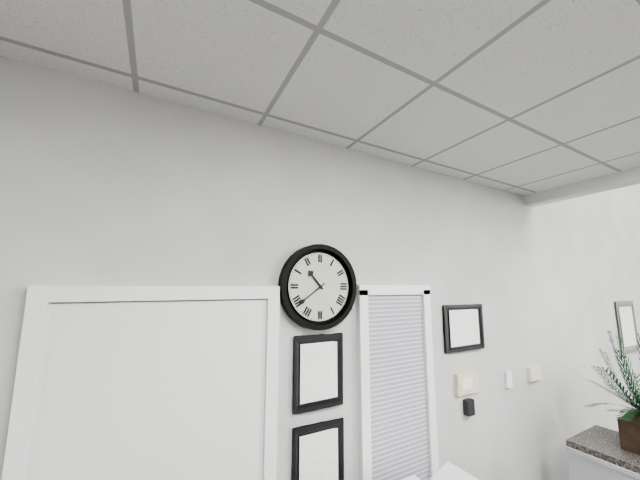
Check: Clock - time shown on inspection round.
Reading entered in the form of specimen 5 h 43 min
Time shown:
10 h 39 min
